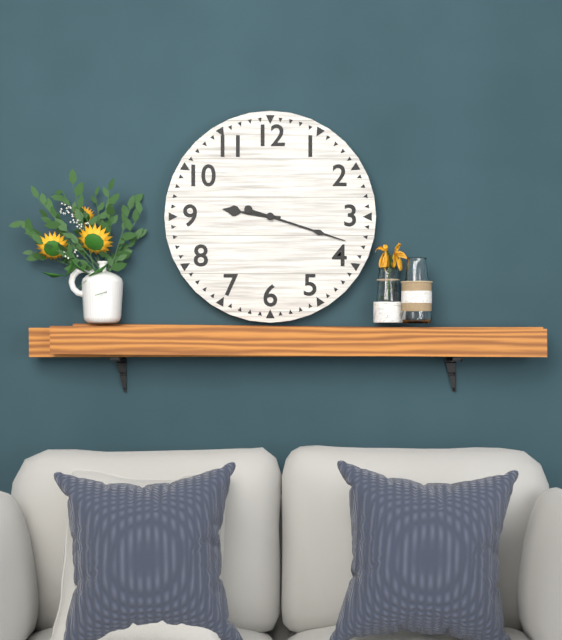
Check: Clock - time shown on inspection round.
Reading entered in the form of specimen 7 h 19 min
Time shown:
9 h 18 min
